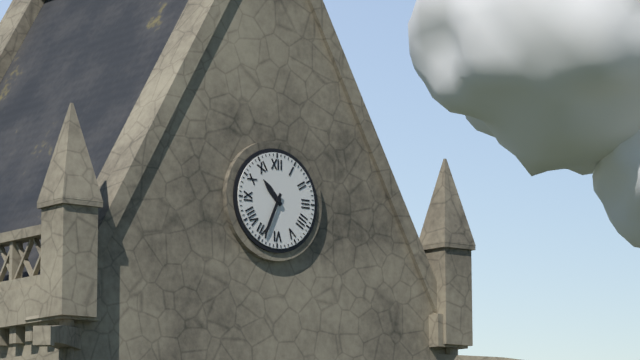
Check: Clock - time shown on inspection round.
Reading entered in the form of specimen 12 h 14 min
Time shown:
10 h 34 min
